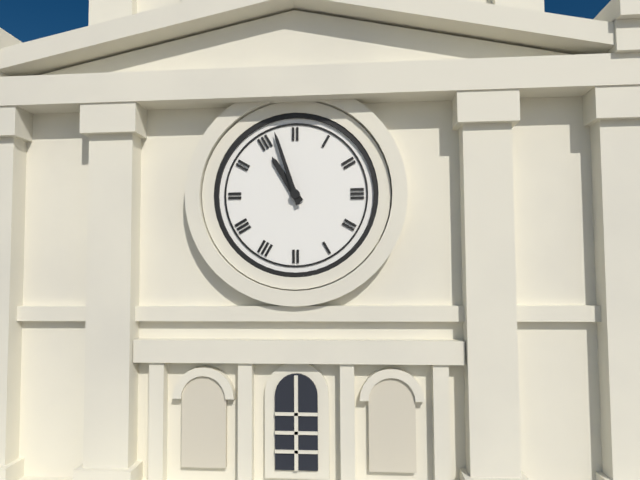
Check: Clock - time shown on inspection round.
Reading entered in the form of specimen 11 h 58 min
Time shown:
10 h 57 min
